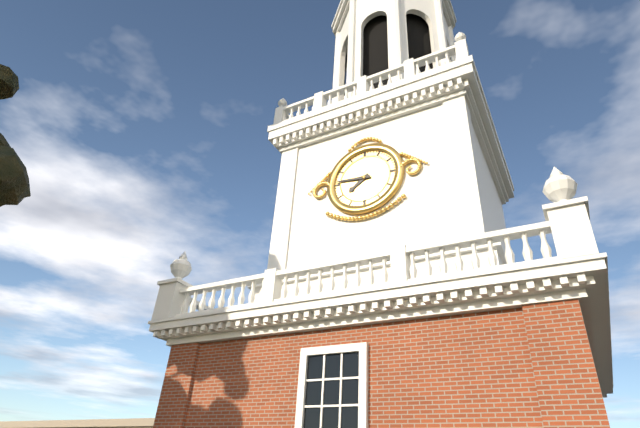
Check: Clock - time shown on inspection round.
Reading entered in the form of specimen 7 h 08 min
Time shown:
7 h 46 min
